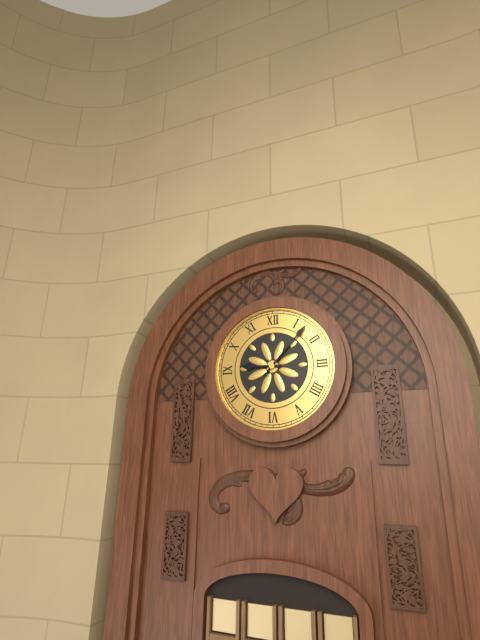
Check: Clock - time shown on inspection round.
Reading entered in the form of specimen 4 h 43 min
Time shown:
9 h 07 min
